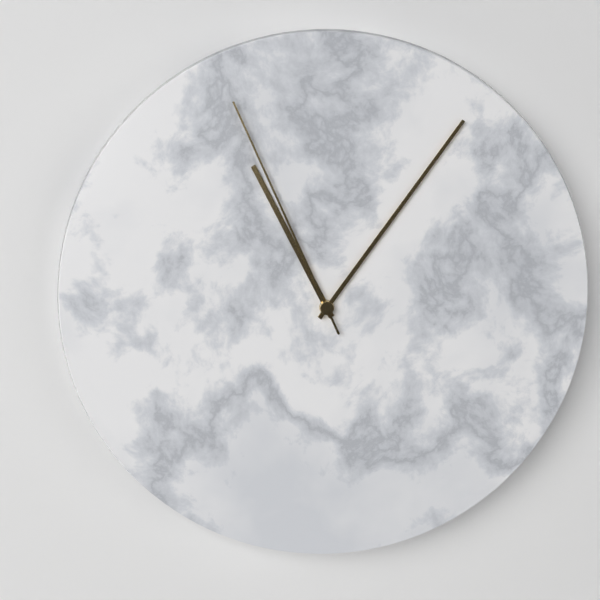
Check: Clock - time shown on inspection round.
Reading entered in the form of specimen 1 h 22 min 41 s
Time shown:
11 h 06 min 56 s
